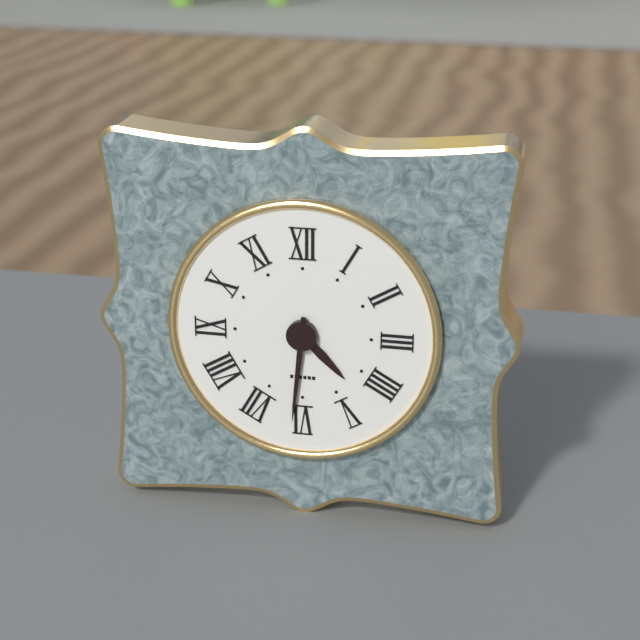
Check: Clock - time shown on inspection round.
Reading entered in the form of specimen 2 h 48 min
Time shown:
4 h 31 min
